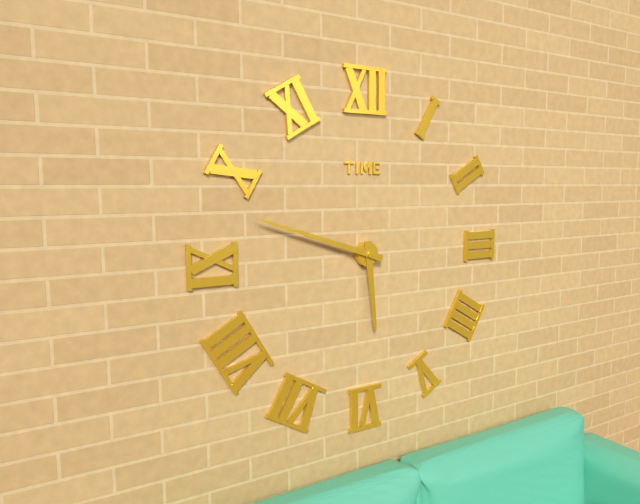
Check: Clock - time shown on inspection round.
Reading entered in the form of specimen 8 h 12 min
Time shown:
5 h 48 min
